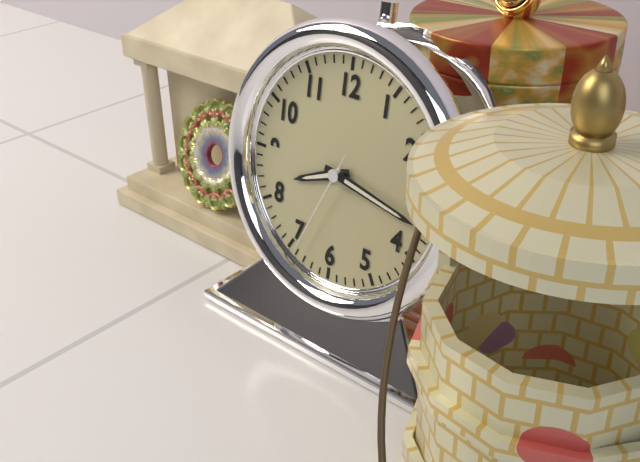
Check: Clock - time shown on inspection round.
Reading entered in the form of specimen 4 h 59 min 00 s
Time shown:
8 h 17 min 34 s
